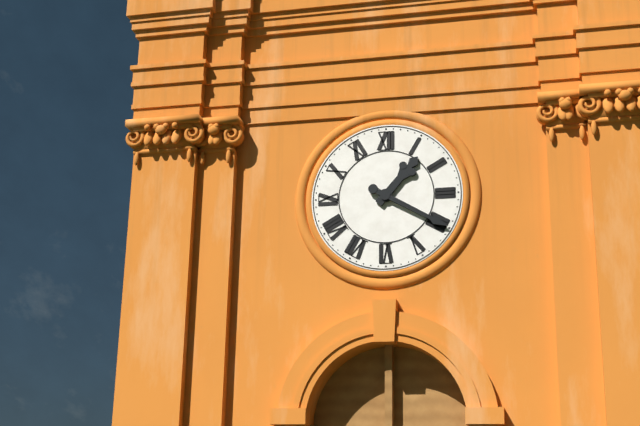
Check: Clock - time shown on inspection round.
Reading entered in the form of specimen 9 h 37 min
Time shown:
1 h 20 min
